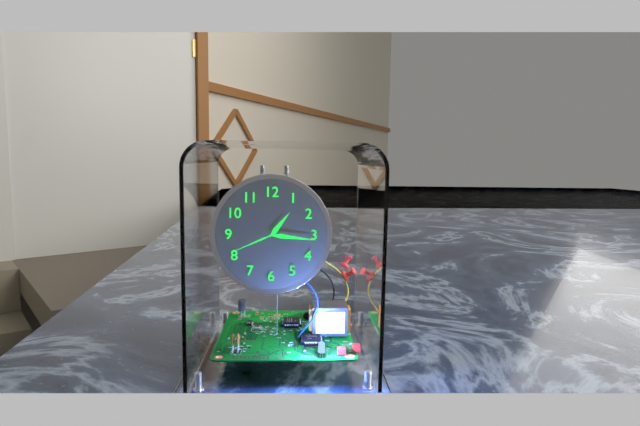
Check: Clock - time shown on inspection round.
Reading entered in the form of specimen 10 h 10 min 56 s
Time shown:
1 h 16 min 41 s
